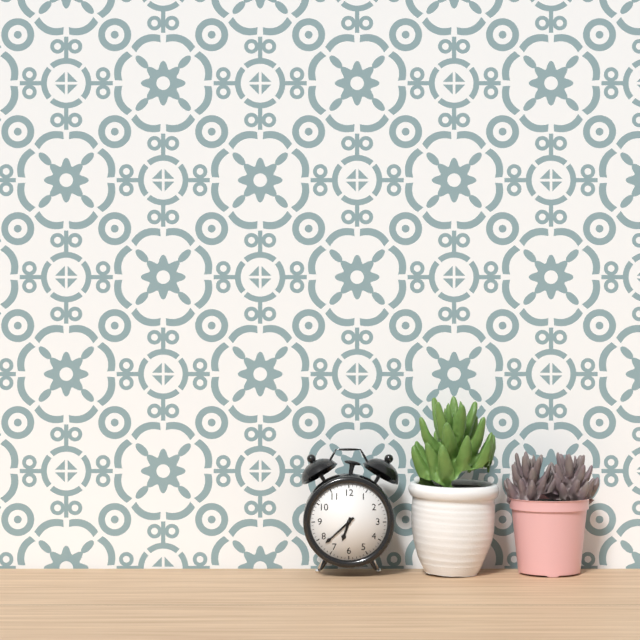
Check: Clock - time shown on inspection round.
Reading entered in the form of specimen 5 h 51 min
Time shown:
6 h 38 min
